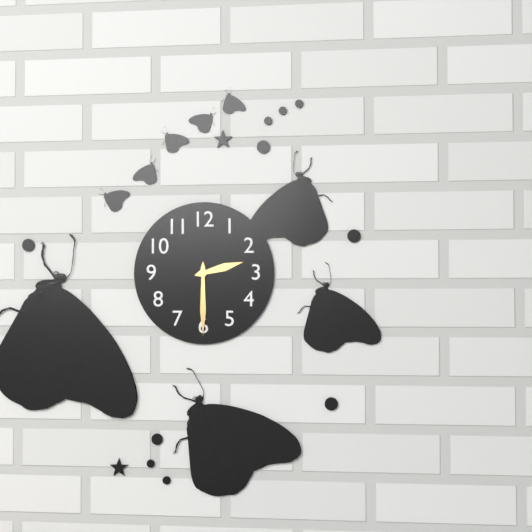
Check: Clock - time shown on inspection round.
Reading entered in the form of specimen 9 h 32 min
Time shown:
2 h 30 min
